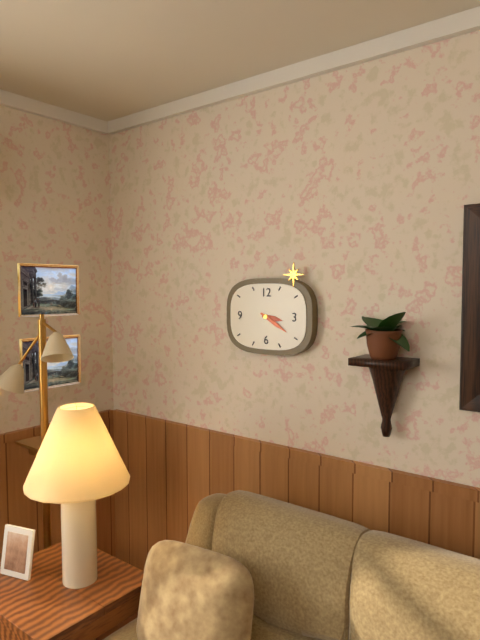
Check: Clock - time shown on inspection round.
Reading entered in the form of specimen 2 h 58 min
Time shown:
3 h 20 min
